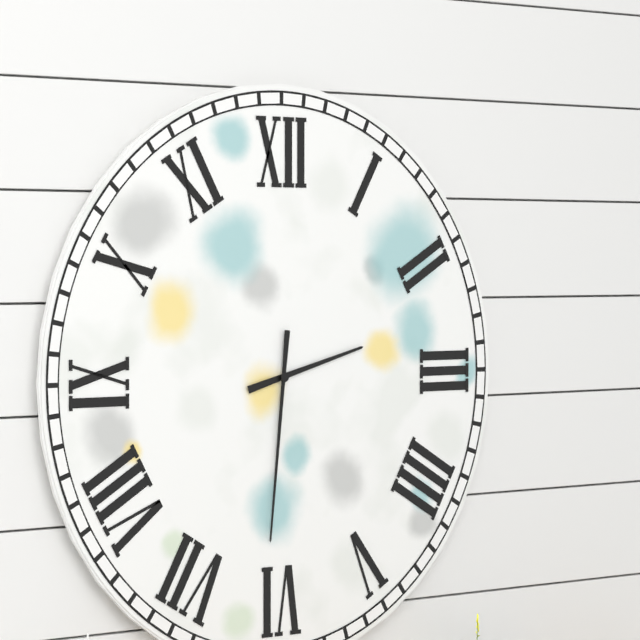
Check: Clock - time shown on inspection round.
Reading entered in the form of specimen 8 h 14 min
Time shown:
2 h 31 min
